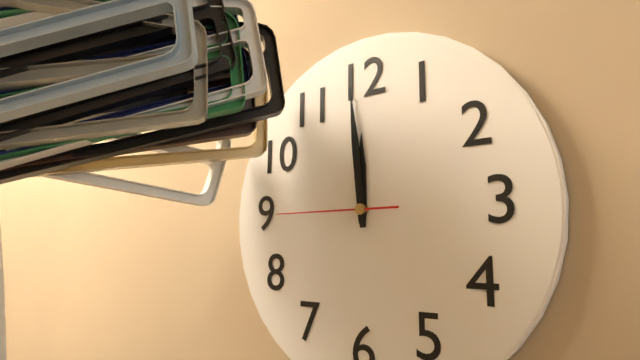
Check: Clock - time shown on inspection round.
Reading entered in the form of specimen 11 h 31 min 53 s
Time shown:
11 h 59 min 45 s
